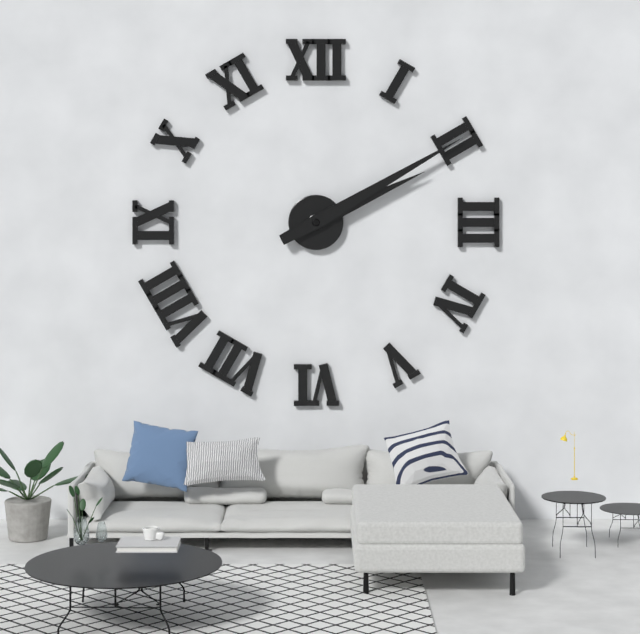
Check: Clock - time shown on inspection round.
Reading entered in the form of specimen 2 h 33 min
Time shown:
2 h 10 min
